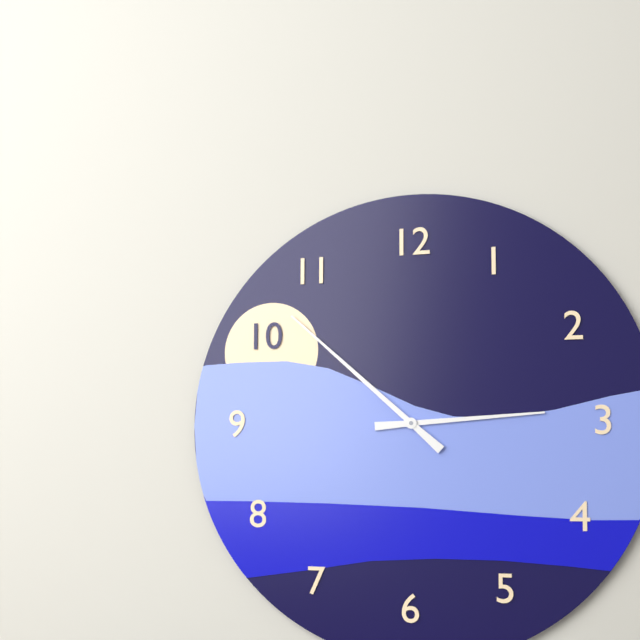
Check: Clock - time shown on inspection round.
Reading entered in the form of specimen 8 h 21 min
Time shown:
2 h 52 min
